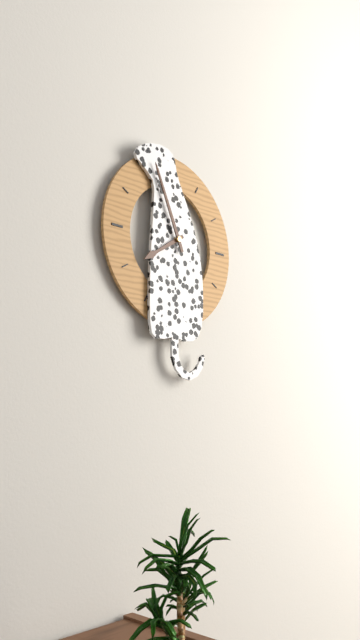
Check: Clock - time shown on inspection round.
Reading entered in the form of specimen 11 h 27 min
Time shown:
7 h 56 min
